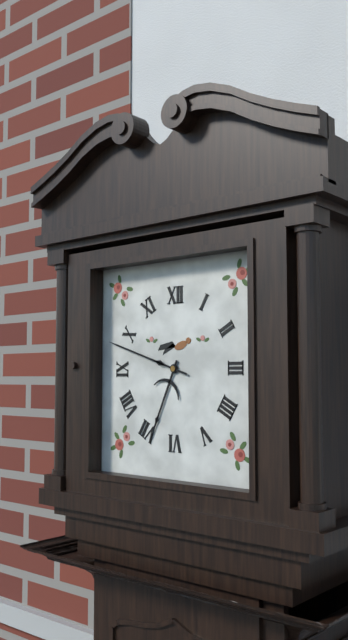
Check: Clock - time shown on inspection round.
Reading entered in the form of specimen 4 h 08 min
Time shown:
6 h 48 min
